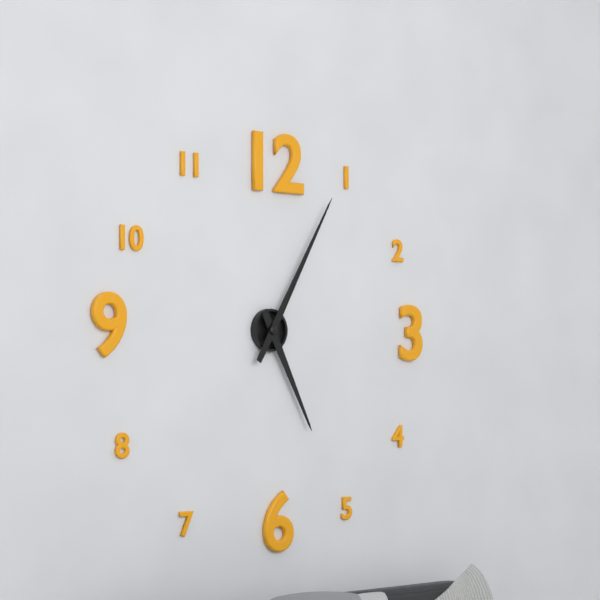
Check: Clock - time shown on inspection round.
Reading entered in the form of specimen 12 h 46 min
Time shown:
5 h 05 min
